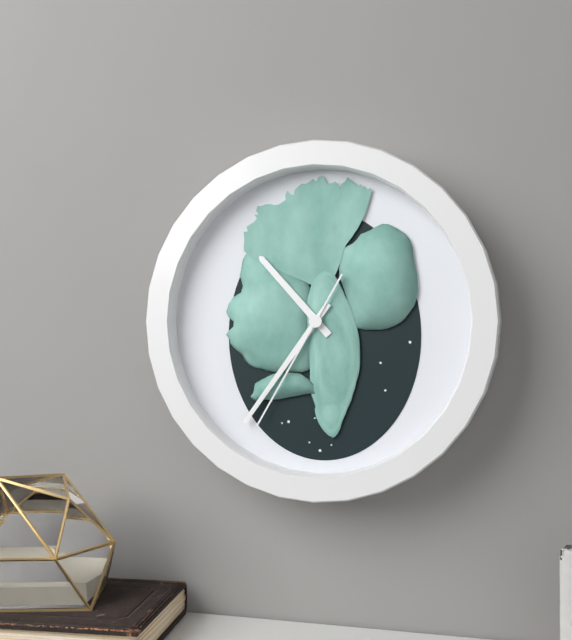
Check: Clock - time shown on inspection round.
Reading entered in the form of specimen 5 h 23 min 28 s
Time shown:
10 h 36 min 35 s
